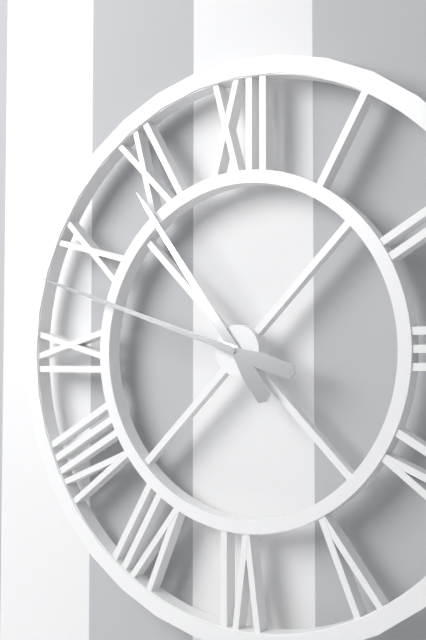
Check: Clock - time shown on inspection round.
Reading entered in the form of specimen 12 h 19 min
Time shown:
10 h 48 min
